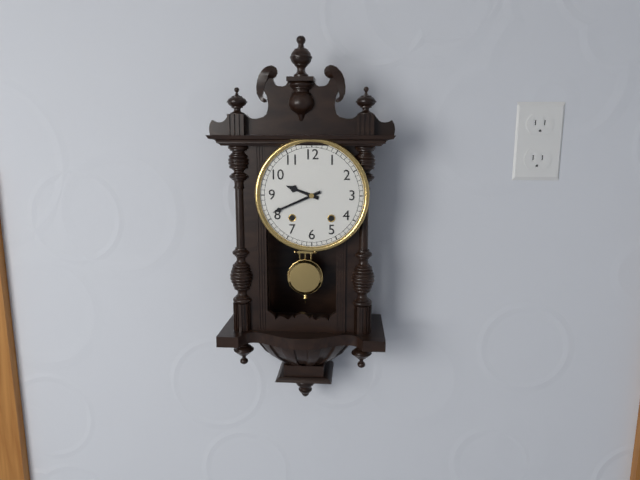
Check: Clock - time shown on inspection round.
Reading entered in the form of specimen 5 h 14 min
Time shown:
9 h 41 min
